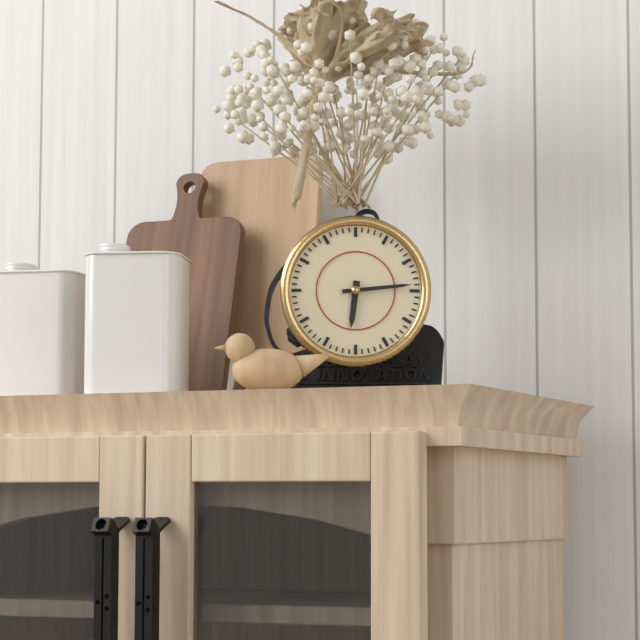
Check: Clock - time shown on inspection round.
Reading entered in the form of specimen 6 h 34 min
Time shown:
6 h 14 min
